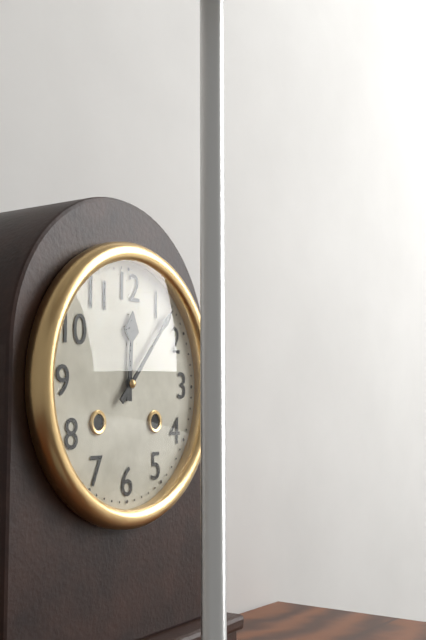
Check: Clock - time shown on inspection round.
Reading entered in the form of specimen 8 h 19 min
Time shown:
12 h 07 min
